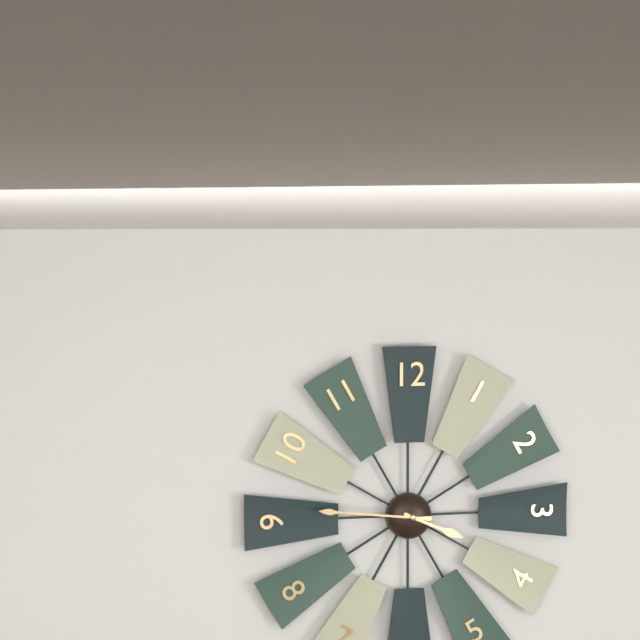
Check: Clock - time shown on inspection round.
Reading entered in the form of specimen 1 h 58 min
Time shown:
3 h 46 min
